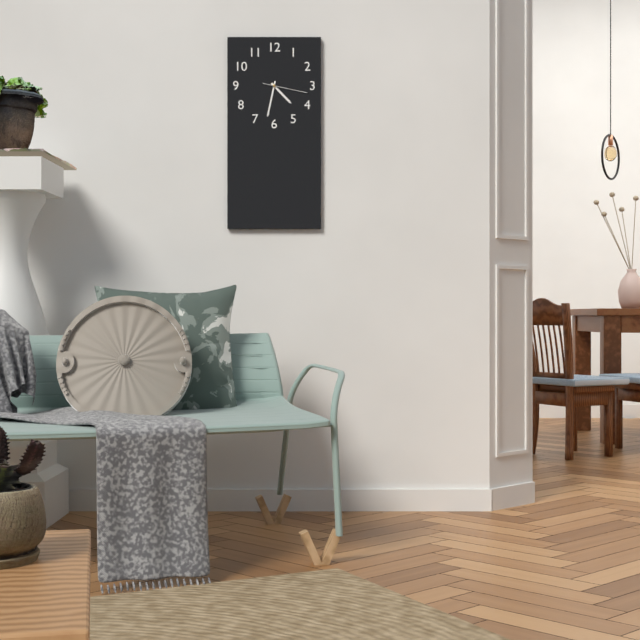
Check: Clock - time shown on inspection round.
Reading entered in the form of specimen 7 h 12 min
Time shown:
4 h 32 min
